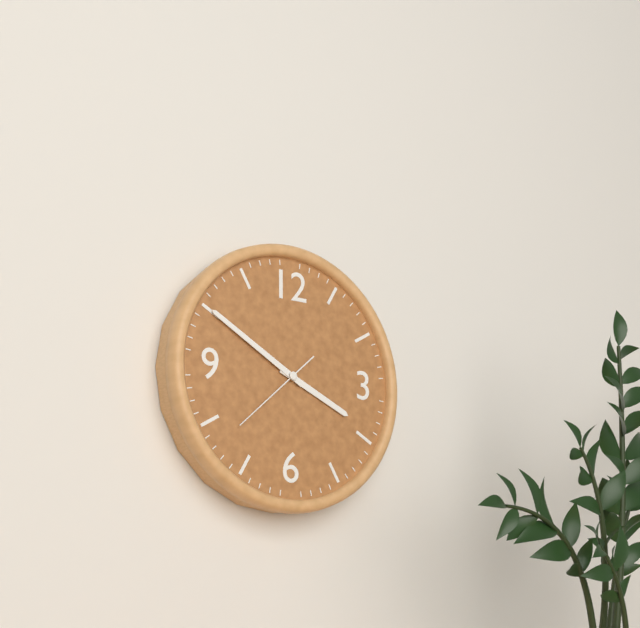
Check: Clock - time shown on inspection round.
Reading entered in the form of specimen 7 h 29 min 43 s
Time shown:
3 h 50 min 38 s
